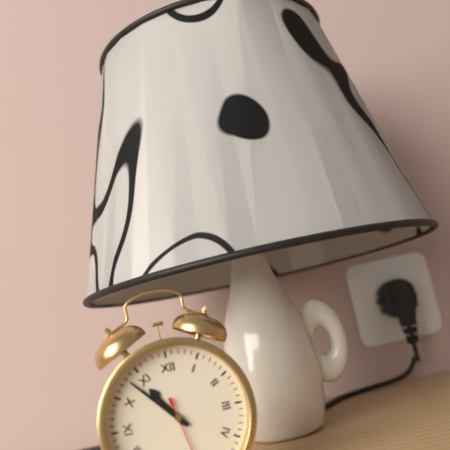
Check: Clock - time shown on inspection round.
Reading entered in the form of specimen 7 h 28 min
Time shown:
10 h 53 min
